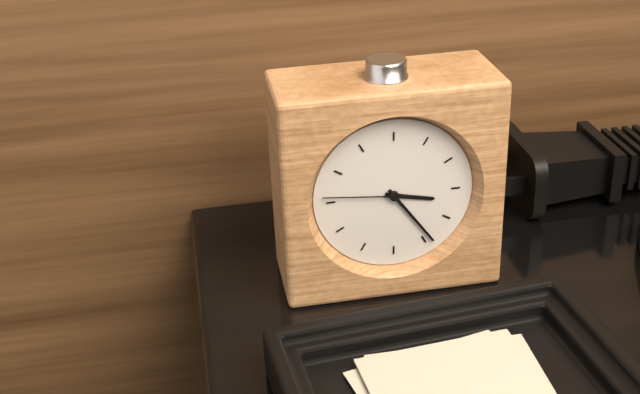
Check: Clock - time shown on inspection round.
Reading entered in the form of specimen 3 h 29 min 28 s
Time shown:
3 h 24 min 46 s
